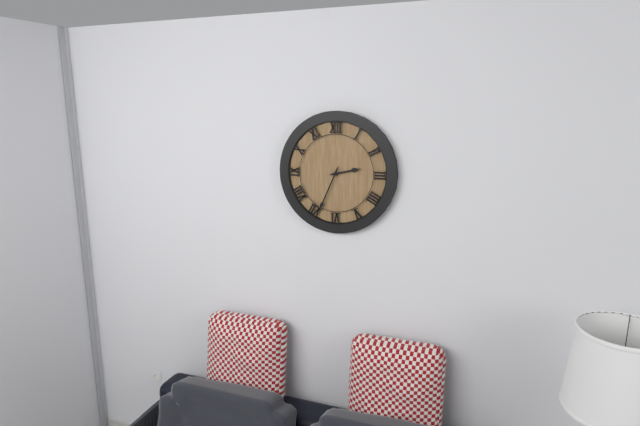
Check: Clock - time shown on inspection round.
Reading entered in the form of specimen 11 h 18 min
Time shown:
2 h 34 min
